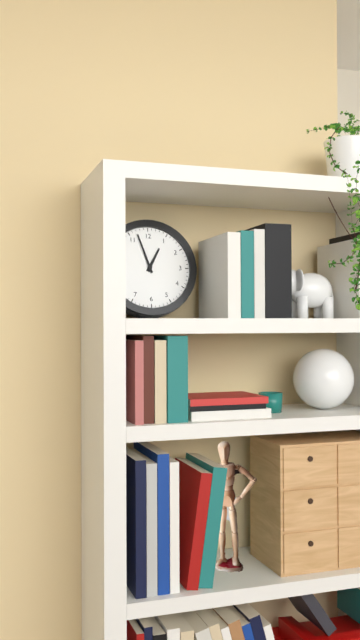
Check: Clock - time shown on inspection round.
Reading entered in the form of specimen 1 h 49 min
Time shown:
12 h 57 min
